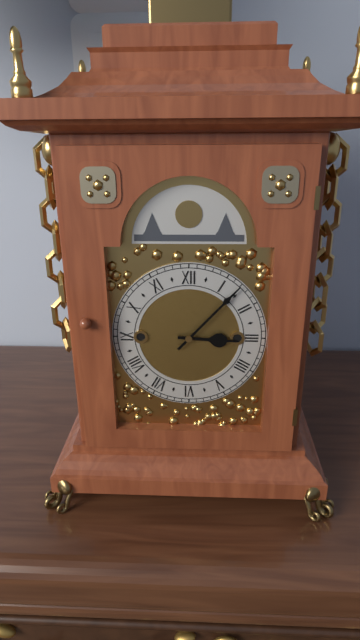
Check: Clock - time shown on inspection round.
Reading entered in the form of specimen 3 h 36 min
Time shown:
3 h 07 min
